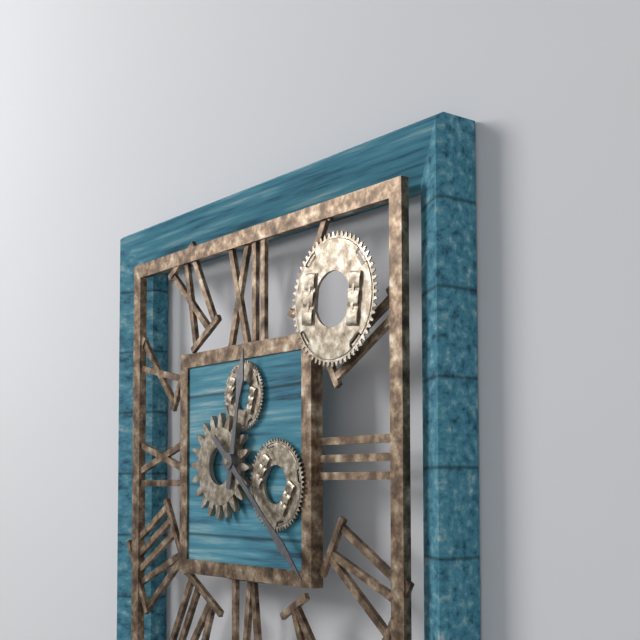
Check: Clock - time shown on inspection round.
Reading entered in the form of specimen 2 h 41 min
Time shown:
12 h 22 min
